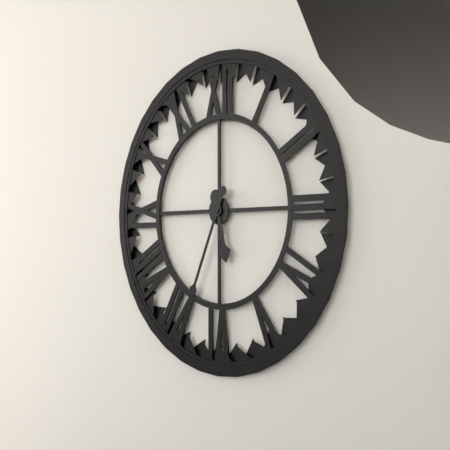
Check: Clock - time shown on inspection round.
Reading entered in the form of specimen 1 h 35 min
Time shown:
5 h 34 min
